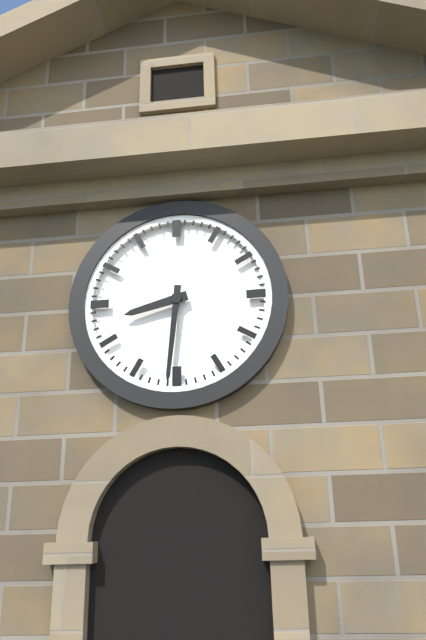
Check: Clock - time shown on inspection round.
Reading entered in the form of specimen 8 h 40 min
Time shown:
8 h 31 min
